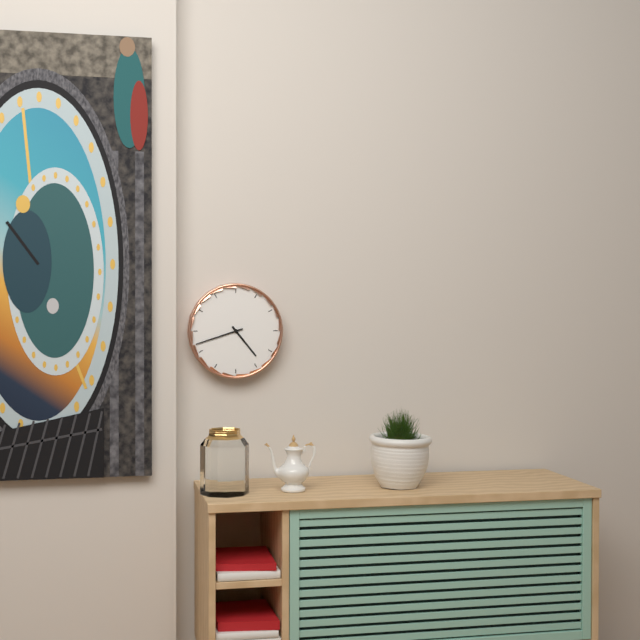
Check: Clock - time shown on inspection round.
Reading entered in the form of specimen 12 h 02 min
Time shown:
4 h 42 min
